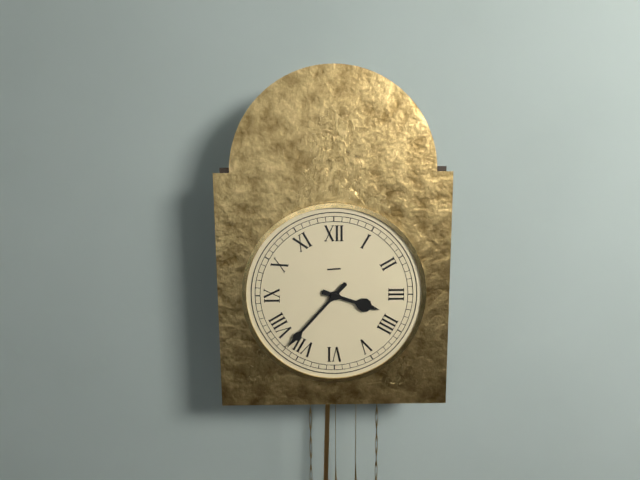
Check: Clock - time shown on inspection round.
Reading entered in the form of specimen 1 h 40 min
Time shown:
3 h 37 min
